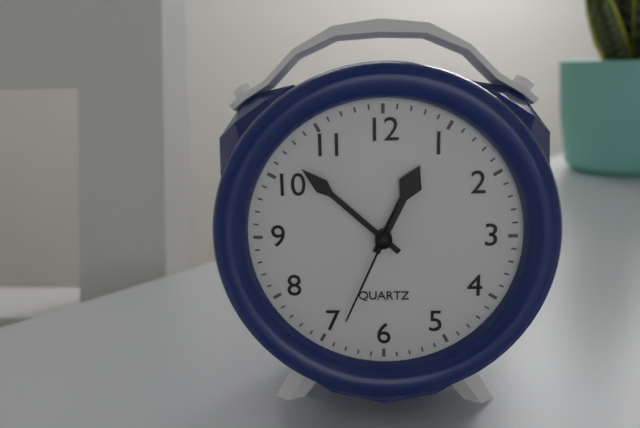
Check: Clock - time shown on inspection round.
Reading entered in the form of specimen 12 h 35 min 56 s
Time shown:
12 h 52 min 34 s
